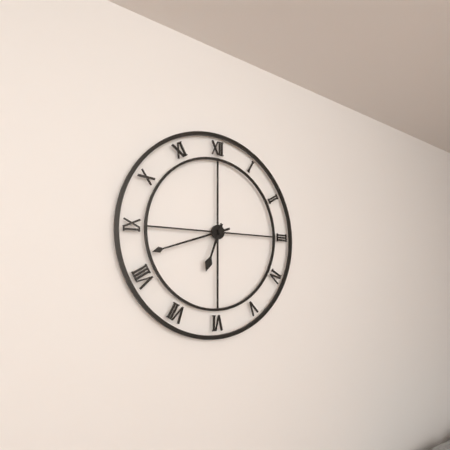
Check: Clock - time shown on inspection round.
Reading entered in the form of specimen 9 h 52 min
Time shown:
6 h 42 min
